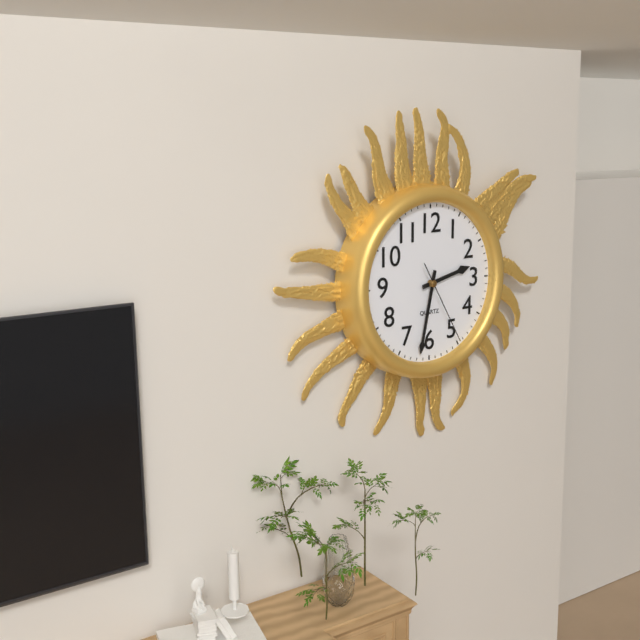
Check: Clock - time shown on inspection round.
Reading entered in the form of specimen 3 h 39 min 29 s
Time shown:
2 h 32 min 25 s
